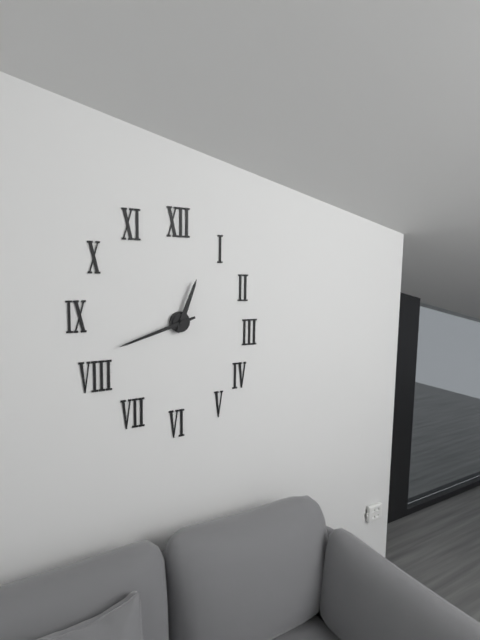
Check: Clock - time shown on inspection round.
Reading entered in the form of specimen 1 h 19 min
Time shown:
12 h 42 min
